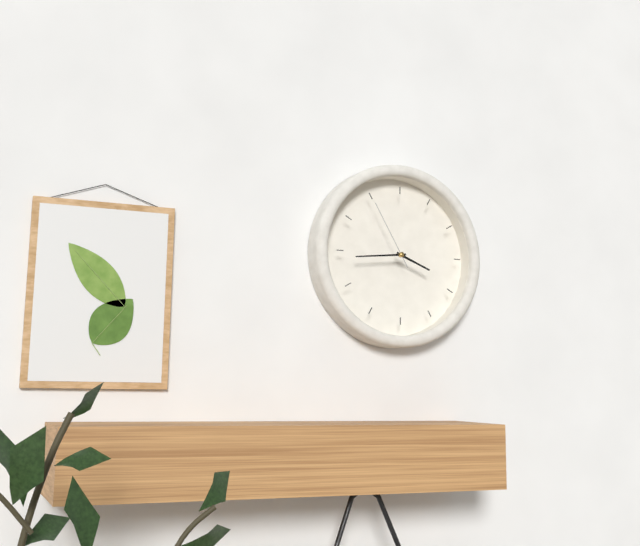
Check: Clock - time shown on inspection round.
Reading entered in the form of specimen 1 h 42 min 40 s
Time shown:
3 h 44 min 55 s
